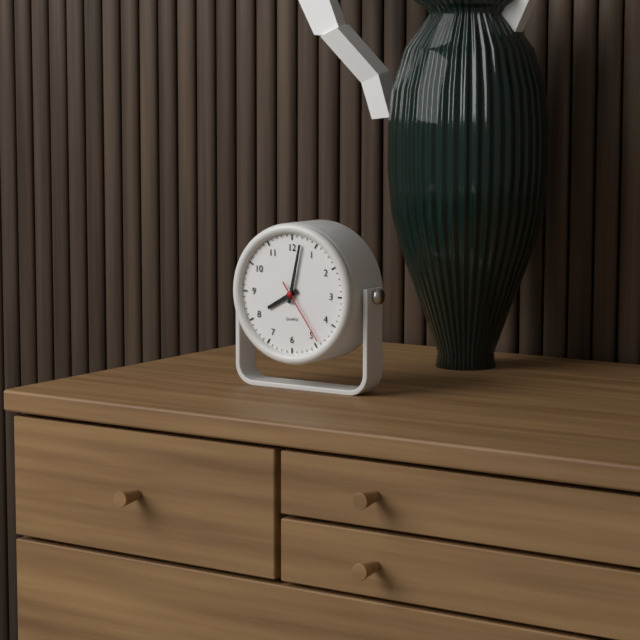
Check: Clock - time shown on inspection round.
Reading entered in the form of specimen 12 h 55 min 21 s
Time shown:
8 h 02 min 24 s
